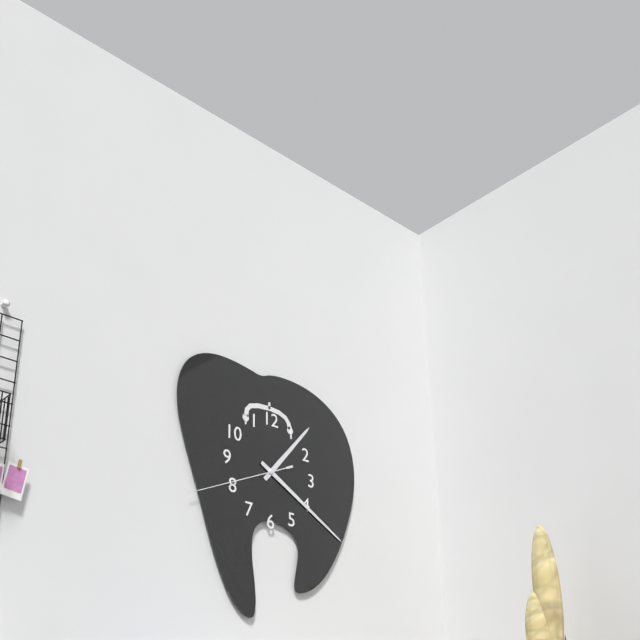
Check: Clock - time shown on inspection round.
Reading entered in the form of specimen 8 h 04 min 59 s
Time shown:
1 h 20 min 41 s
